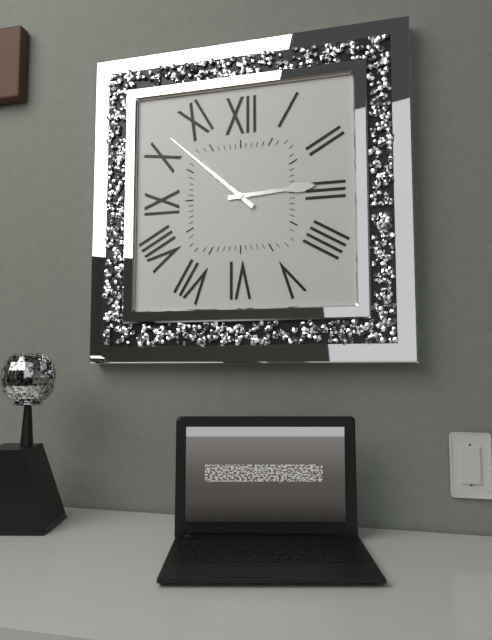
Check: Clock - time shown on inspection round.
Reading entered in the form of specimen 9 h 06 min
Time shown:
2 h 52 min
